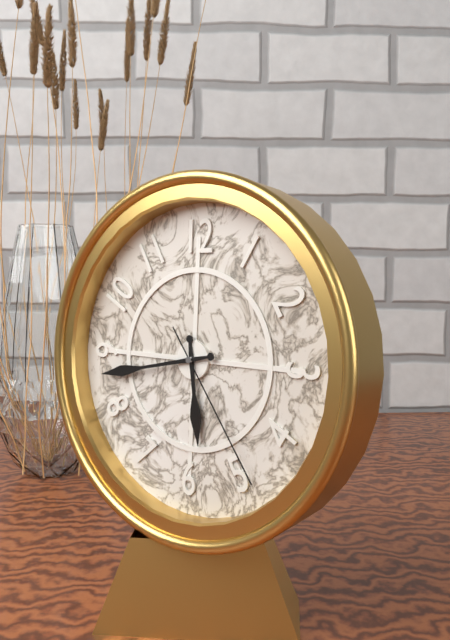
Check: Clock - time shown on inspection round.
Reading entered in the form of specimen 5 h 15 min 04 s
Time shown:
5 h 43 min 24 s
